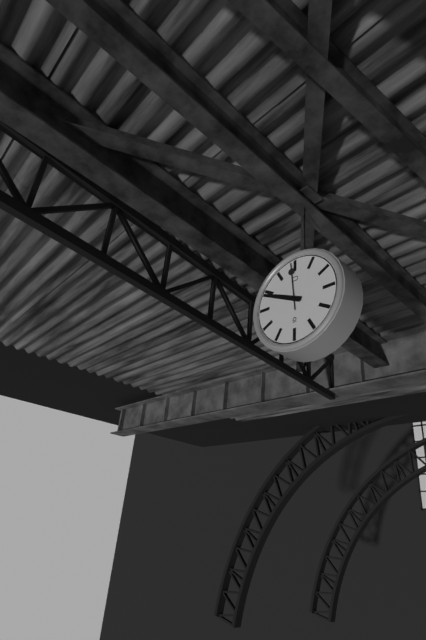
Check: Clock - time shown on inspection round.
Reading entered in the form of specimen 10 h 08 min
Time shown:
9 h 49 min
